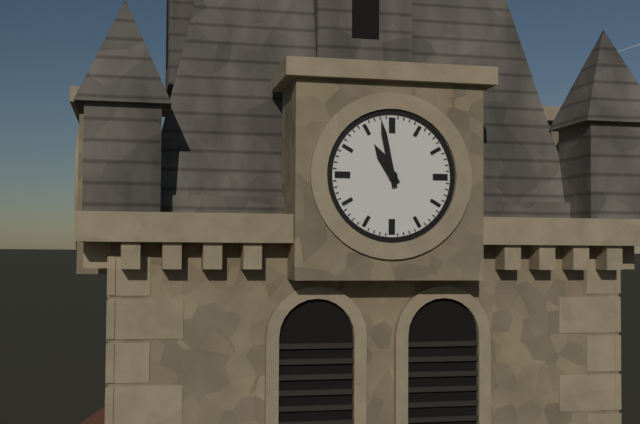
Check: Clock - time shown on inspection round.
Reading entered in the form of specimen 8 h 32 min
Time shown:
10 h 58 min
